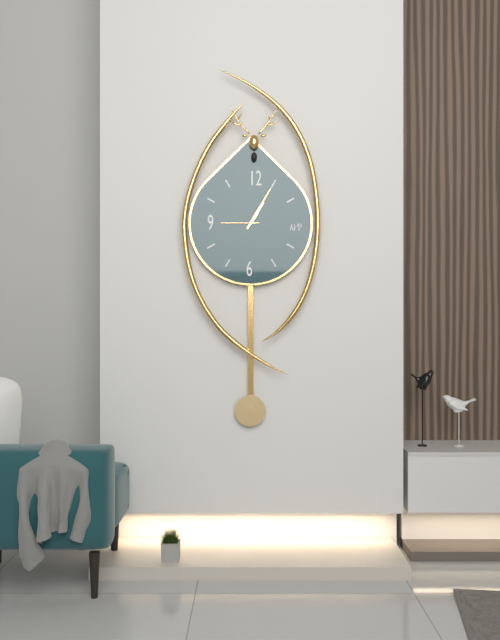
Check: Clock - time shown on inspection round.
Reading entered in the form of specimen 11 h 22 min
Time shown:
1 h 05 min
